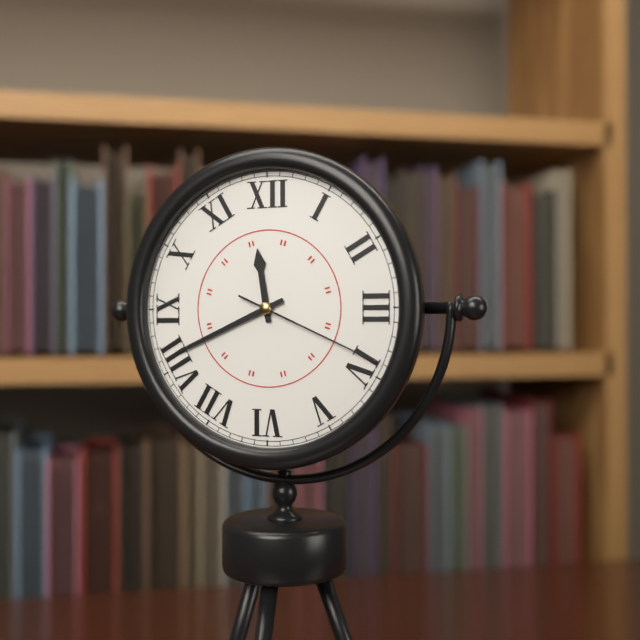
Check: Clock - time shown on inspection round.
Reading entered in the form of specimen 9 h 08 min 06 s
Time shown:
11 h 41 min 19 s
